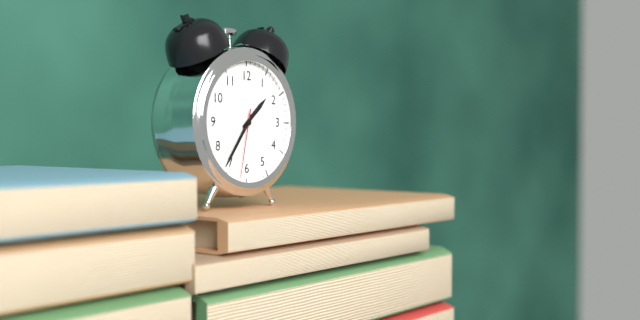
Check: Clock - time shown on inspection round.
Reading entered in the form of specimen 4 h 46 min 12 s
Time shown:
1 h 36 min 32 s
